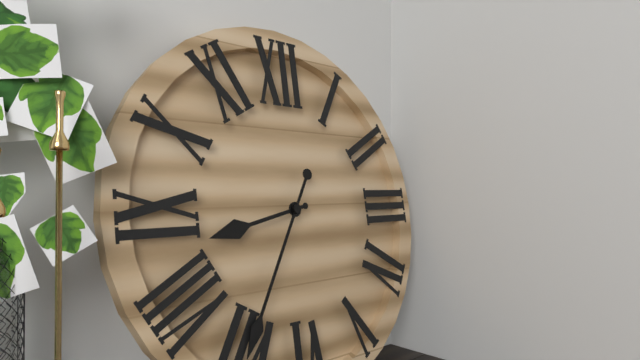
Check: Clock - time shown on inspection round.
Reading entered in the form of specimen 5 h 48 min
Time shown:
8 h 35 min
